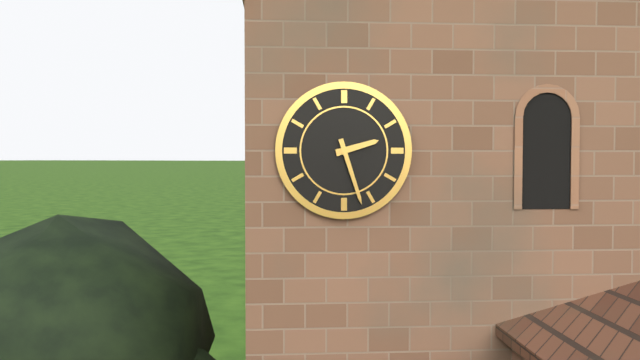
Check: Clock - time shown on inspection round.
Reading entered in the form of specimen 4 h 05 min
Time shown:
2 h 27 min
